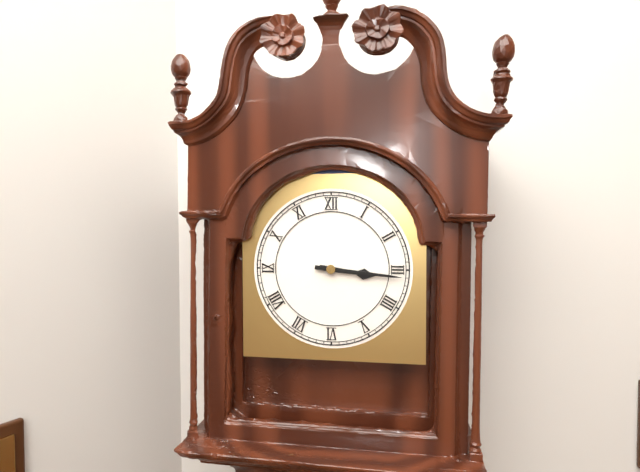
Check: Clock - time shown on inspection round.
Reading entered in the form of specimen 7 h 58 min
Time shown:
3 h 16 min
